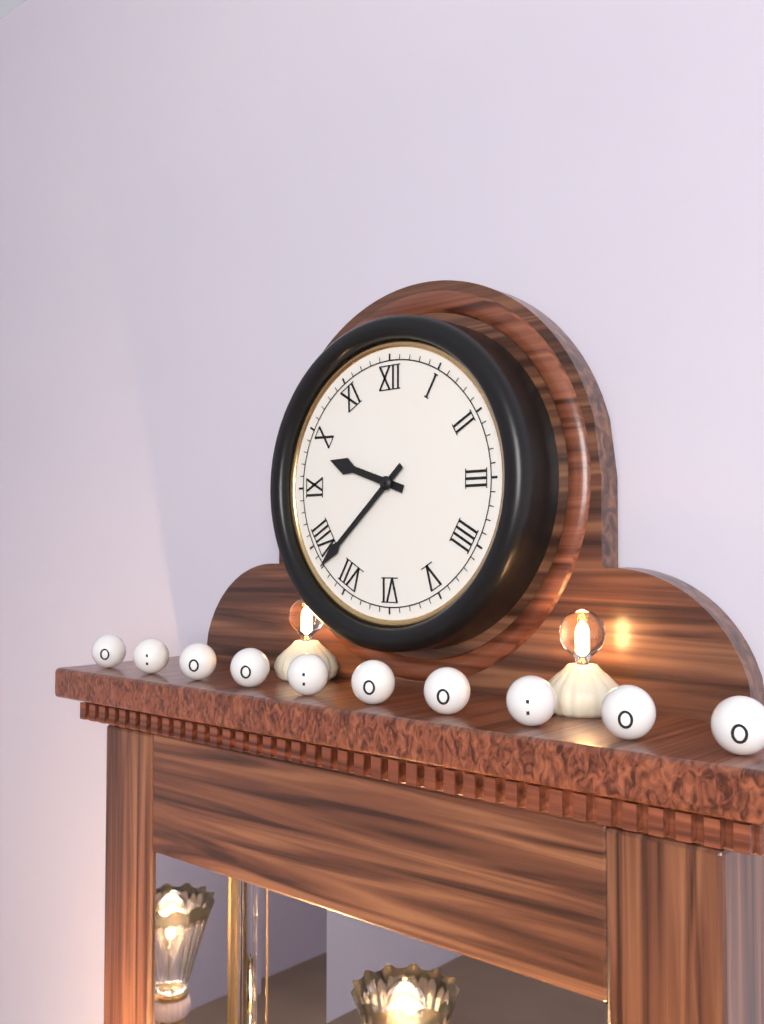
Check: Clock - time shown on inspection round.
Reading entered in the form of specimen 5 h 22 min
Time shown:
9 h 38 min
